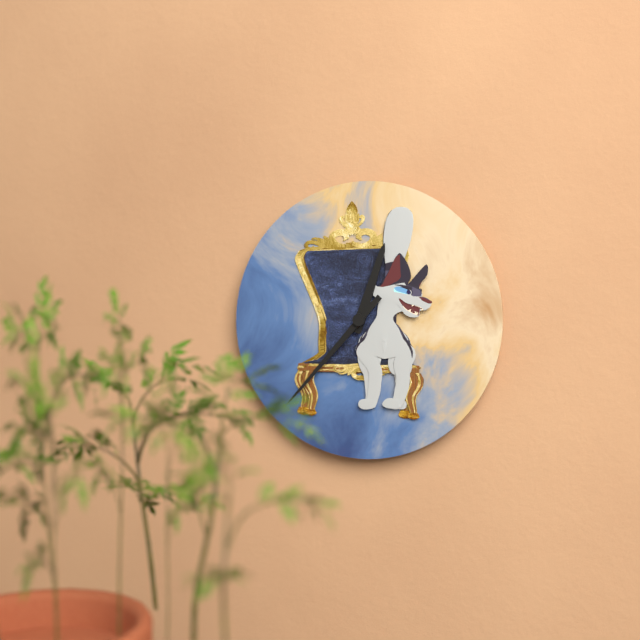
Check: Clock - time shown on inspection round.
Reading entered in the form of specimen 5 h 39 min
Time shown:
12 h 37 min
